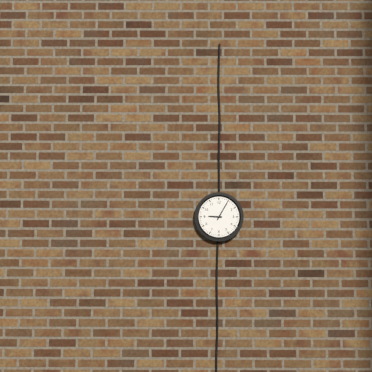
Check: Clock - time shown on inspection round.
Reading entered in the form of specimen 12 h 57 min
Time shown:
9 h 05 min
